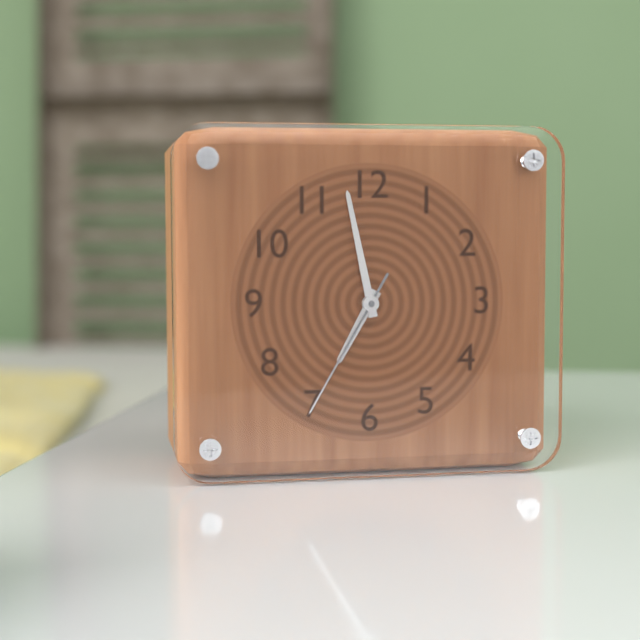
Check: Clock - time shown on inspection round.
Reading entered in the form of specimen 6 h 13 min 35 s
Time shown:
6 h 58 min 35 s
